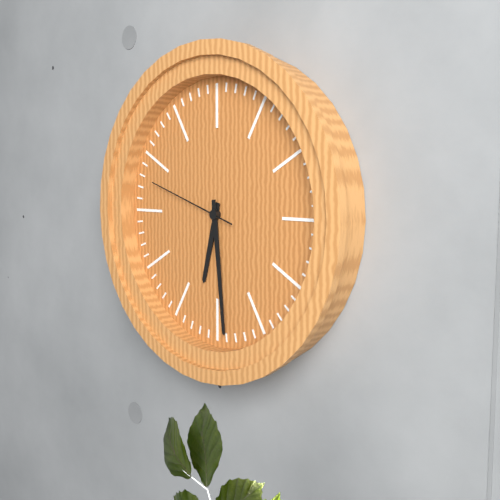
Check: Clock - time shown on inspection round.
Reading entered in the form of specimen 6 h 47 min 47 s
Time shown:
6 h 29 min 48 s
